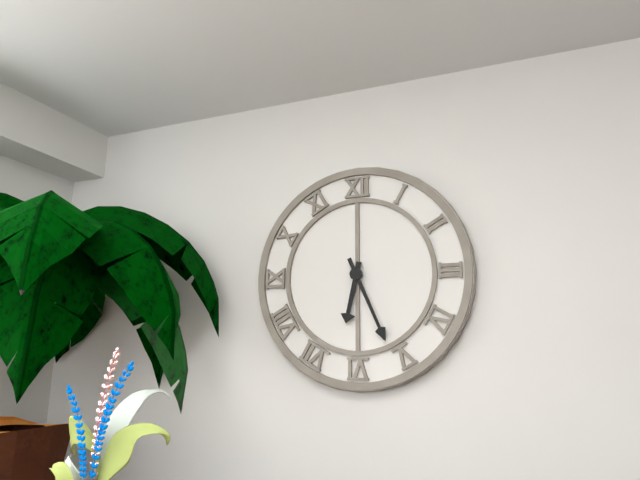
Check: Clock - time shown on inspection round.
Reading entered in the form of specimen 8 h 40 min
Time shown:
6 h 26 min
